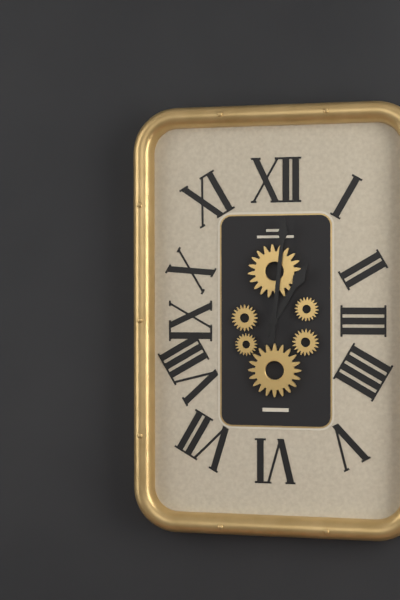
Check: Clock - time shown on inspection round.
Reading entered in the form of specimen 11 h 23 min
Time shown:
1 h 01 min
